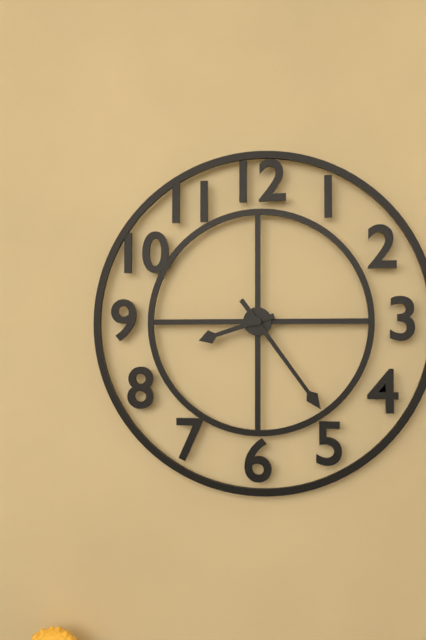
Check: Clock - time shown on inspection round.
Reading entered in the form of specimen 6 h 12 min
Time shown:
8 h 24 min
